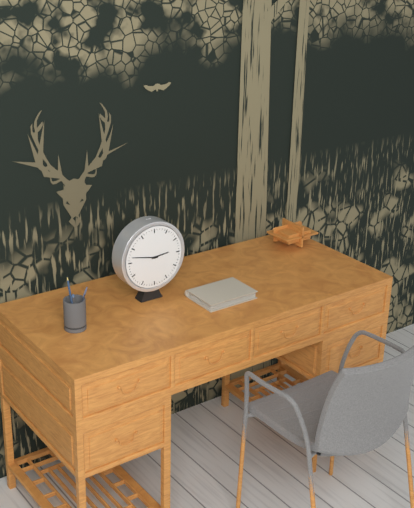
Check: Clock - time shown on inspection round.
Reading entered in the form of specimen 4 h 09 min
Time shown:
2 h 47 min
